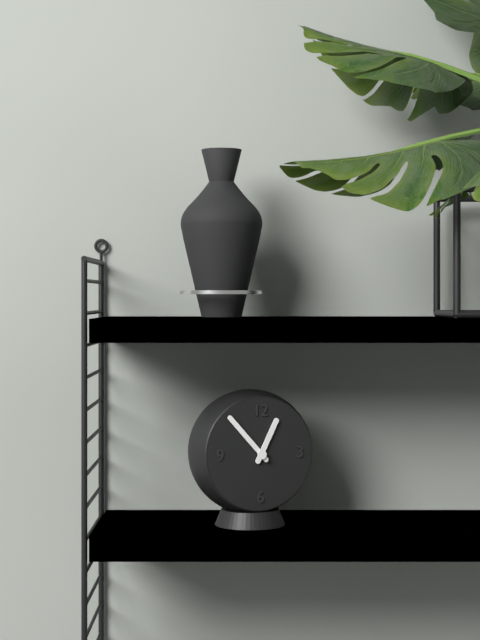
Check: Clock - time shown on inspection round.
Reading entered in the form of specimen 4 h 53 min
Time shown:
12 h 53 min
